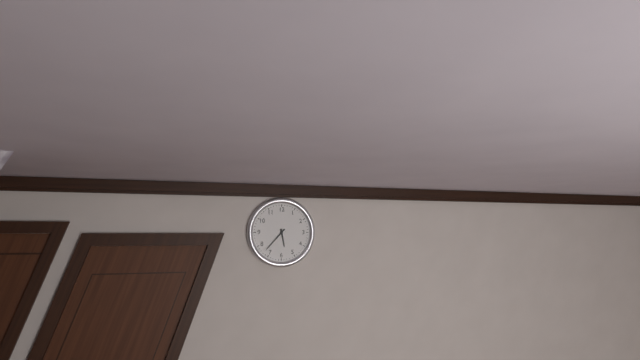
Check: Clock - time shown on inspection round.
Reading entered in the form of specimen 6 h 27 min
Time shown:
5 h 37 min
